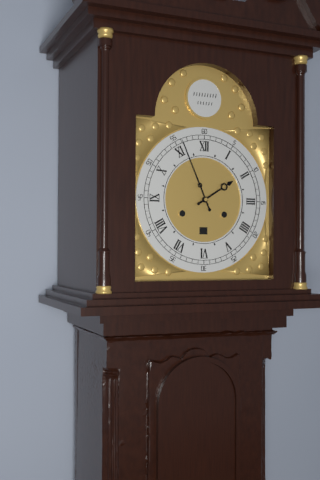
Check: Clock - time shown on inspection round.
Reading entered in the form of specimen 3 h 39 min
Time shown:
1 h 56 min
